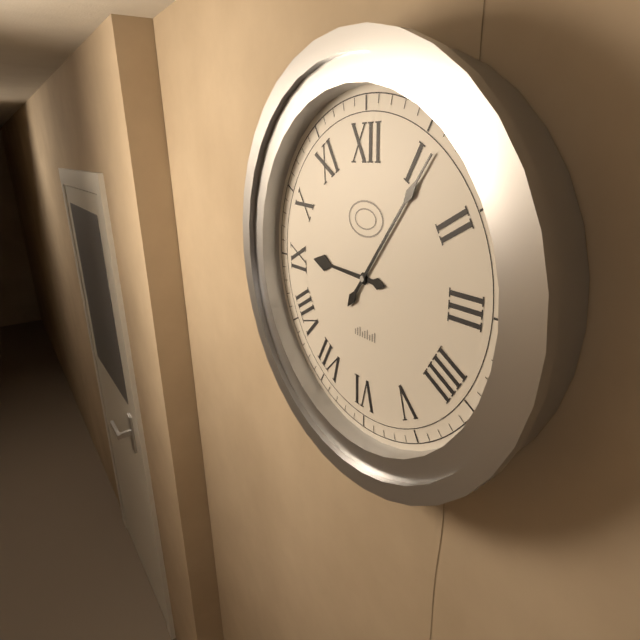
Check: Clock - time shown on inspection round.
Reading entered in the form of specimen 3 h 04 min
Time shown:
9 h 06 min
